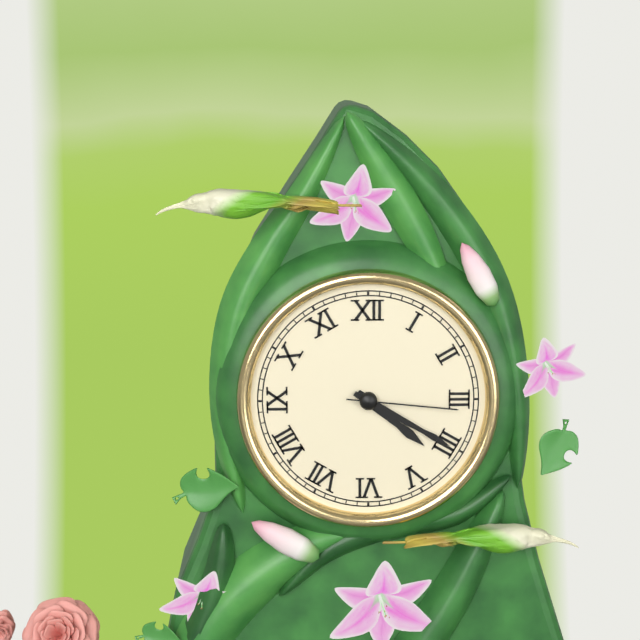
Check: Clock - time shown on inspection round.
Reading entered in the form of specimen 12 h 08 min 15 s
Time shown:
4 h 20 min 16 s
